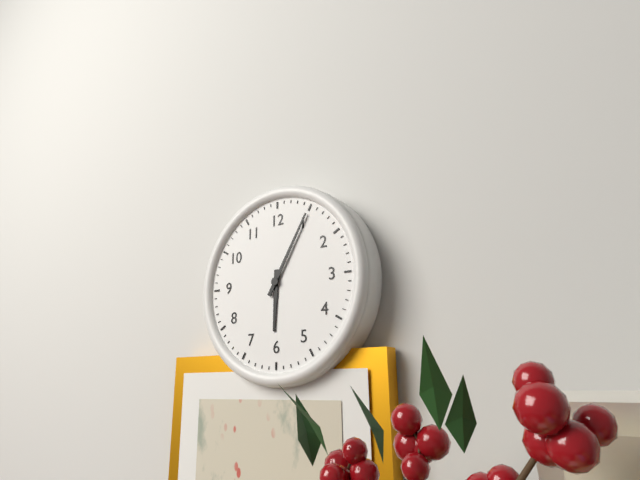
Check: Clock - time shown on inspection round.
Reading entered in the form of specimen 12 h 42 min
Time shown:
6 h 05 min
